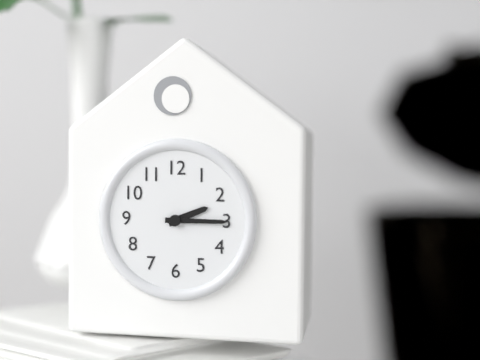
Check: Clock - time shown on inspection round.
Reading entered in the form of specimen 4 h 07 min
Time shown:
2 h 15 min
